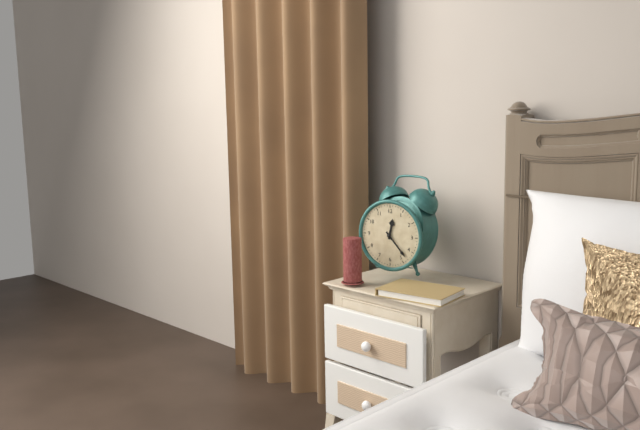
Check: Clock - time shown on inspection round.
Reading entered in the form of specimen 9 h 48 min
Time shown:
12 h 23 min
